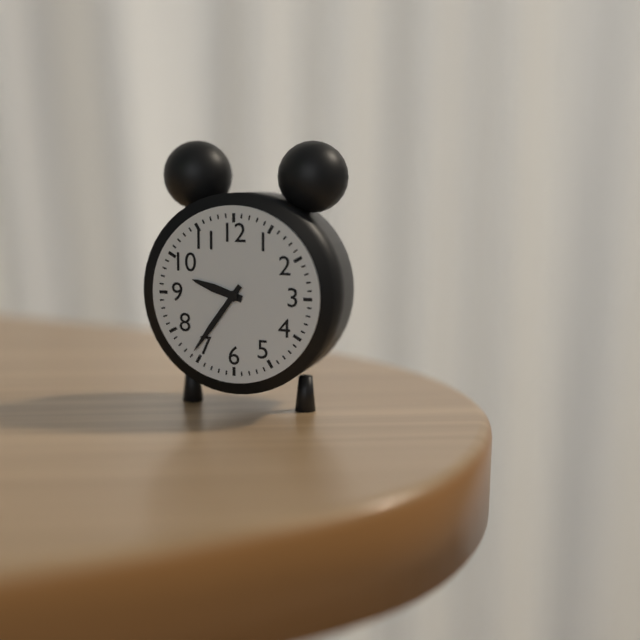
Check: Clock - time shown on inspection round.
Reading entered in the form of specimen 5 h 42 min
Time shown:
9 h 36 min
